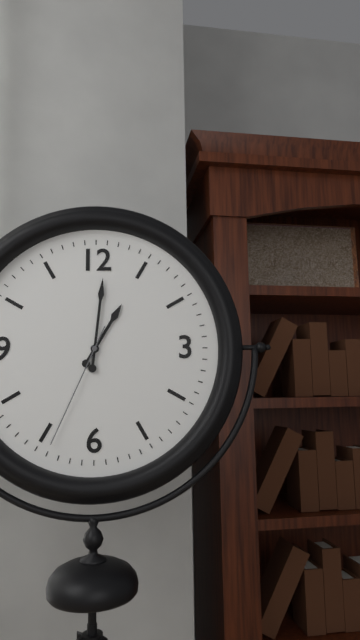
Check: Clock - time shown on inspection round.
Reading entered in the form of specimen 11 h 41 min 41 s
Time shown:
1 h 01 min 34 s
